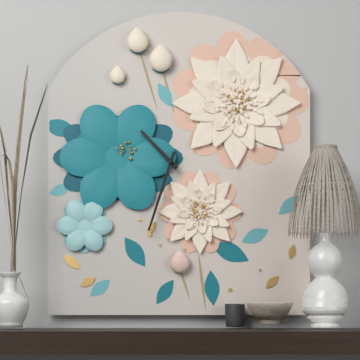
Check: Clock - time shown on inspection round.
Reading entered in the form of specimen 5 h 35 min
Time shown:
10 h 33 min
